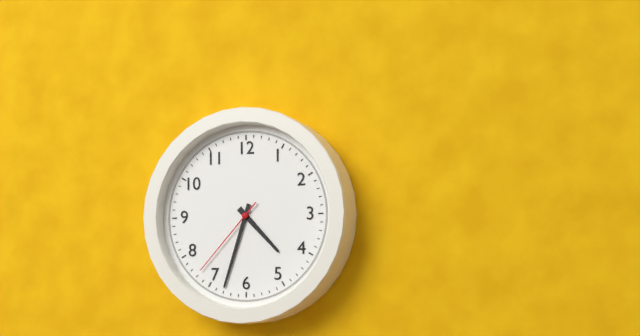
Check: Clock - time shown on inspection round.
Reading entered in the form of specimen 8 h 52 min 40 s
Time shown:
4 h 33 min 37 s
